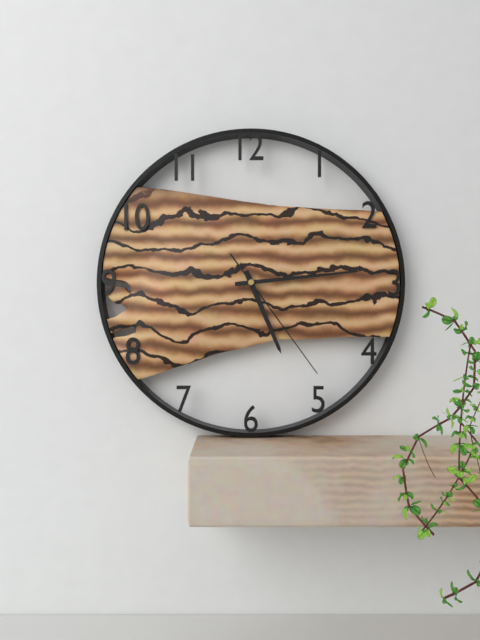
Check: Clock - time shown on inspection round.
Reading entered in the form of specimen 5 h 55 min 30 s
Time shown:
5 h 14 min 24 s
